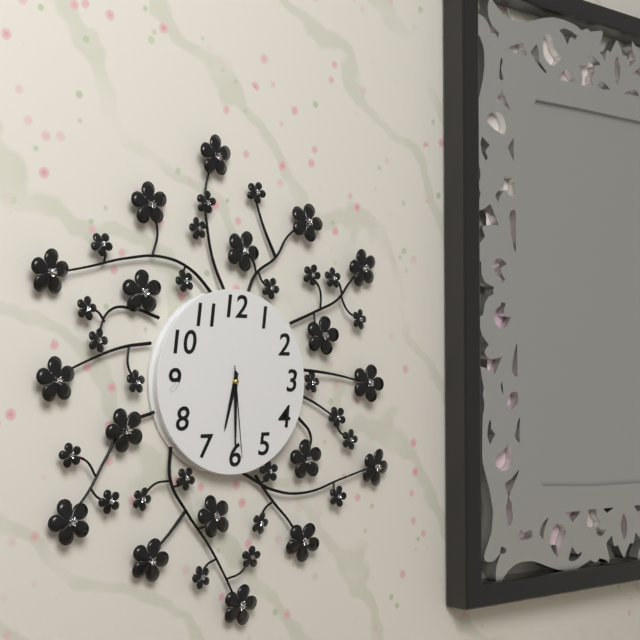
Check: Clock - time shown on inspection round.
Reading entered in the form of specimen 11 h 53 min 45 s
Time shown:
6 h 30 min 29 s
